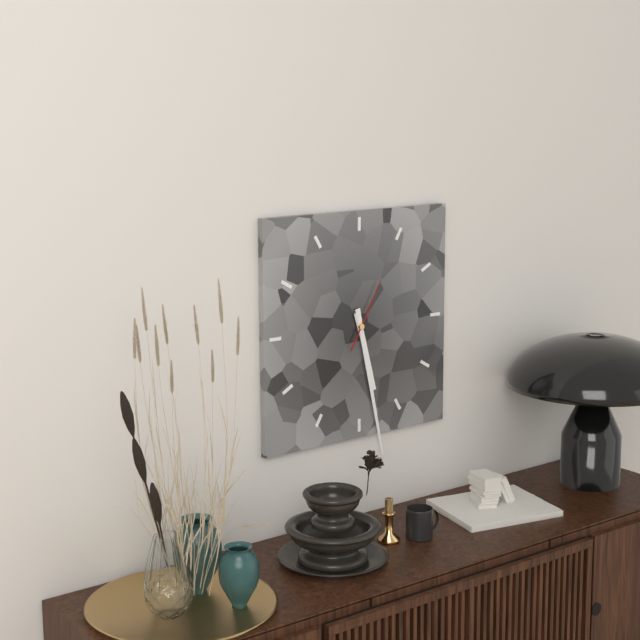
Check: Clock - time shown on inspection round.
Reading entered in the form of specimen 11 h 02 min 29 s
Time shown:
5 h 28 min 05 s
